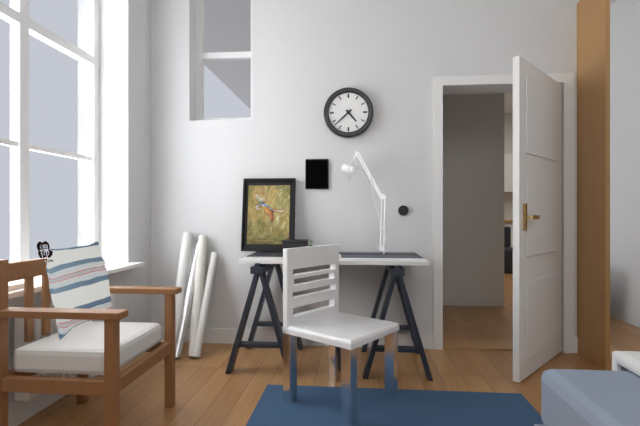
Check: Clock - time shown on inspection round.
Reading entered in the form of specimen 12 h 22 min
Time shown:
4 h 38 min
